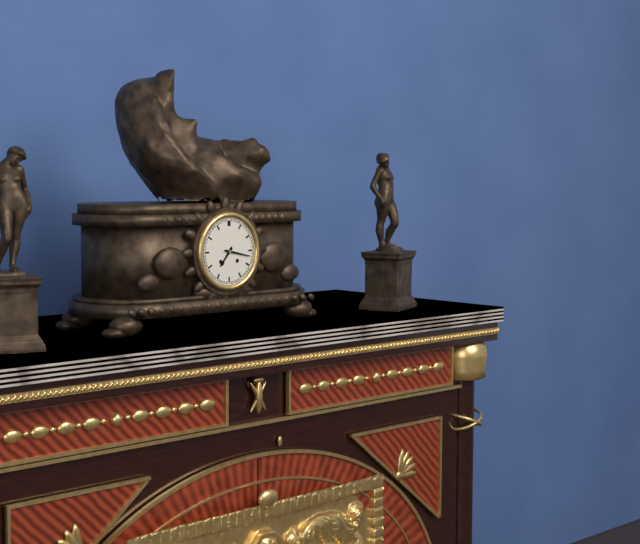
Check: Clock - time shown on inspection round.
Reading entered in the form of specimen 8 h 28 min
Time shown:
7 h 17 min
